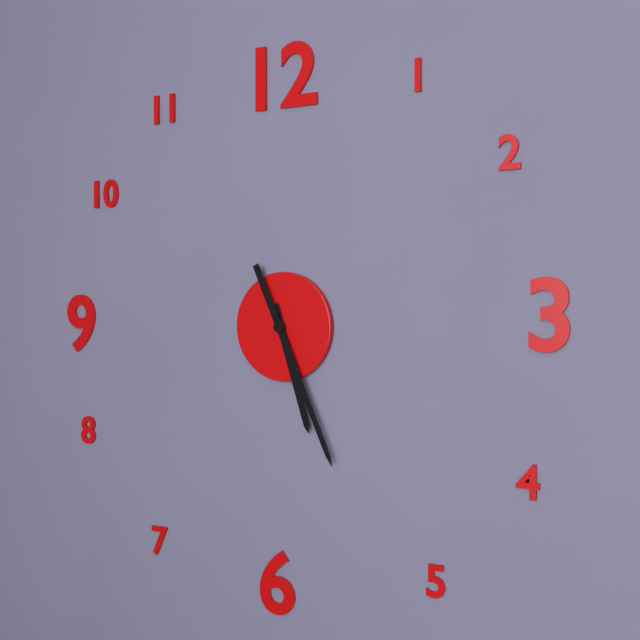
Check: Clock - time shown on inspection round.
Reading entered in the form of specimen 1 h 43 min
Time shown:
5 h 26 min
